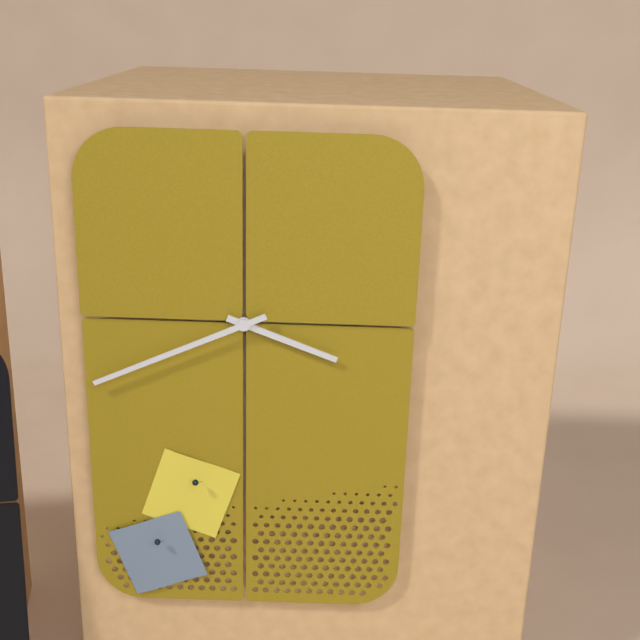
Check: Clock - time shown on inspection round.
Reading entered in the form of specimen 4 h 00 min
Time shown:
3 h 41 min
